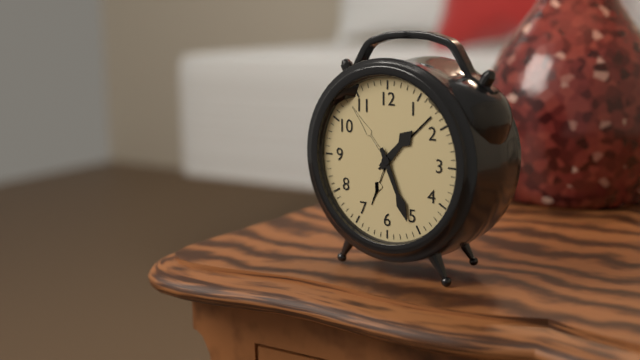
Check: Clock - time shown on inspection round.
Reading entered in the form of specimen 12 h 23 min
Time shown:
1 h 26 min
